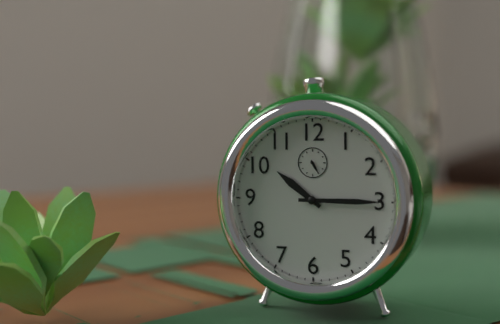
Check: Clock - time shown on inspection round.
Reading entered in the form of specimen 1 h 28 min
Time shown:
10 h 15 min
